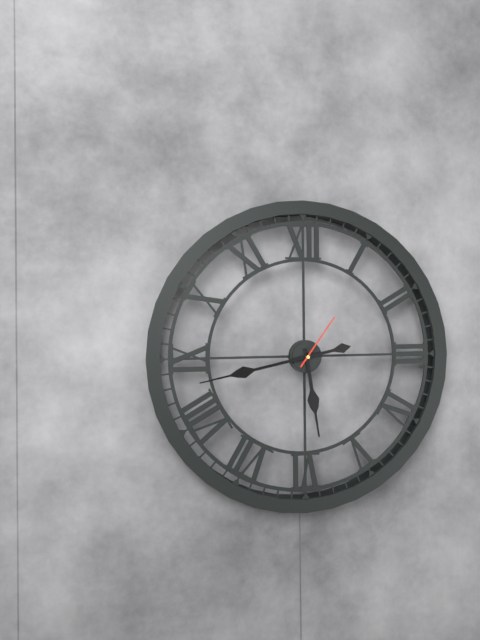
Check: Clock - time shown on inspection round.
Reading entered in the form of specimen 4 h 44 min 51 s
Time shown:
5 h 43 min 06 s
